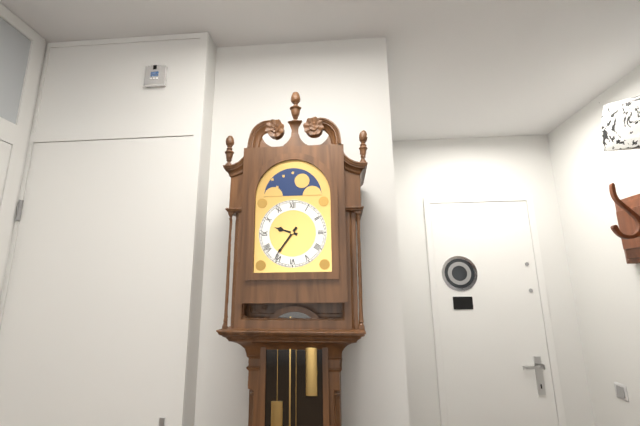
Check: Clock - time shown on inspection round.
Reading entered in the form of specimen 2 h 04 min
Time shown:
9 h 36 min
